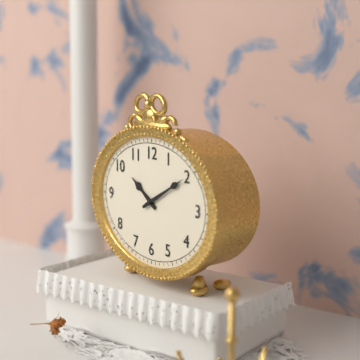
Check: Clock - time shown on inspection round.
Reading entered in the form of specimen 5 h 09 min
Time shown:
10 h 10 min
